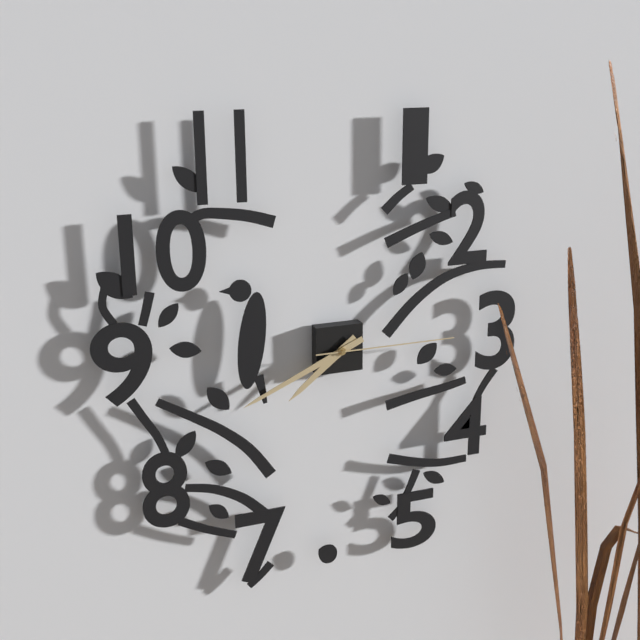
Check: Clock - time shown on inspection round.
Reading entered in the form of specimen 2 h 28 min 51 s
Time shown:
7 h 41 min 15 s
